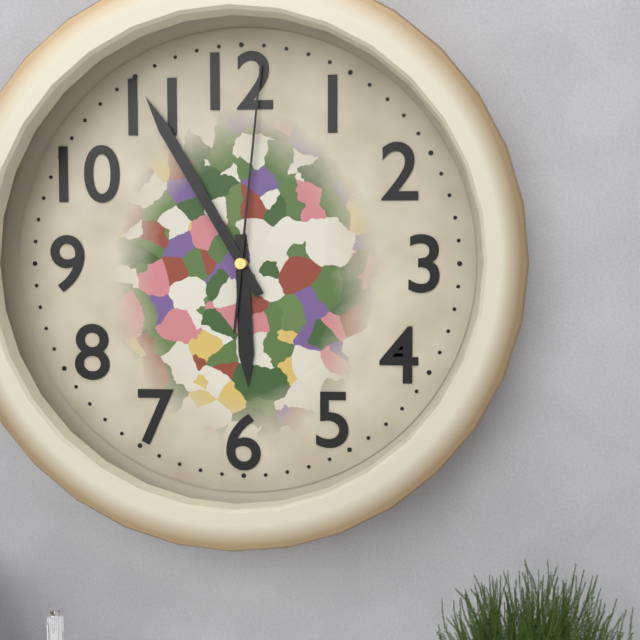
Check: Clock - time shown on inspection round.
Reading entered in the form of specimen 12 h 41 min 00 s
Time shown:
5 h 55 min 01 s
